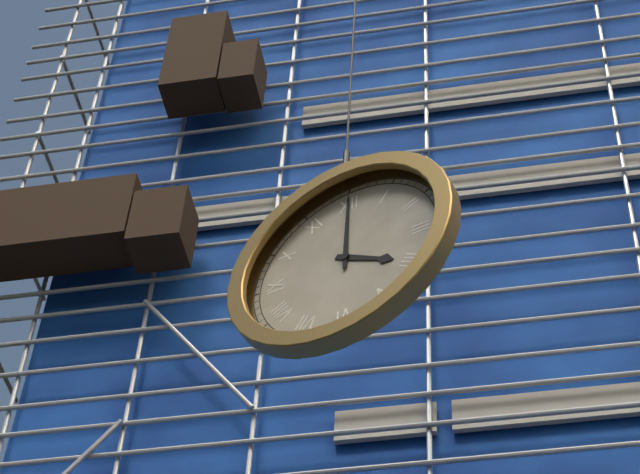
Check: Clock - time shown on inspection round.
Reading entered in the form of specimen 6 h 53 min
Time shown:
4 h 00 min
